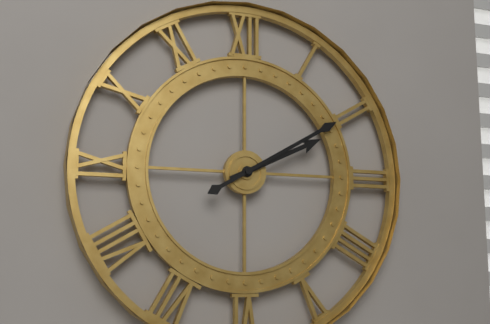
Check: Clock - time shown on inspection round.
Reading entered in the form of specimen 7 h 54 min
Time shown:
2 h 10 min
